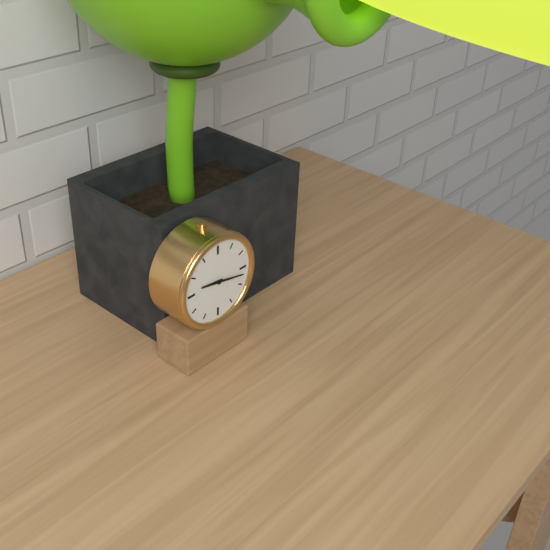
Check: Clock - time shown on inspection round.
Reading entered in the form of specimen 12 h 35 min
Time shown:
9 h 17 min
